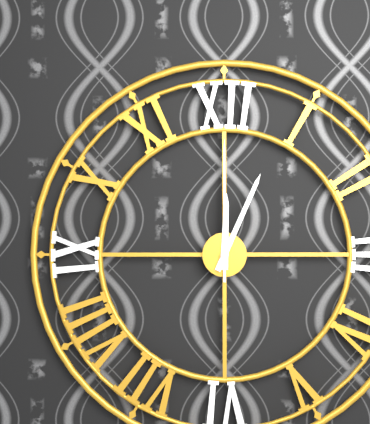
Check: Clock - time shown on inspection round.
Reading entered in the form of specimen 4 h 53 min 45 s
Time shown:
12 h 04 min 00 s
